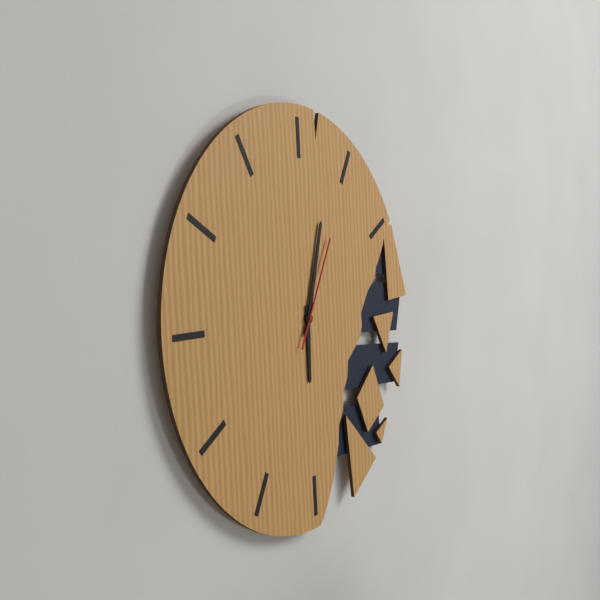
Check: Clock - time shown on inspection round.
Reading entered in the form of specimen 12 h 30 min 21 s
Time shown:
6 h 03 min 05 s
